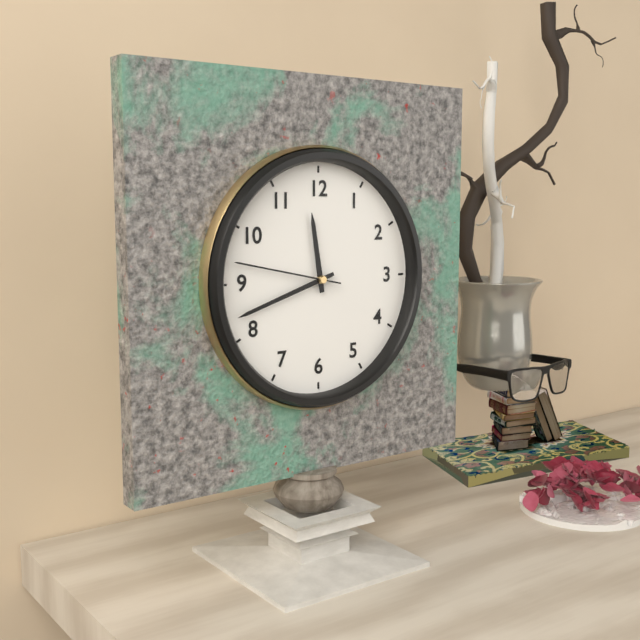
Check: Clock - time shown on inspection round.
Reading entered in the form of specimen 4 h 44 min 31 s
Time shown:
11 h 42 min 47 s
